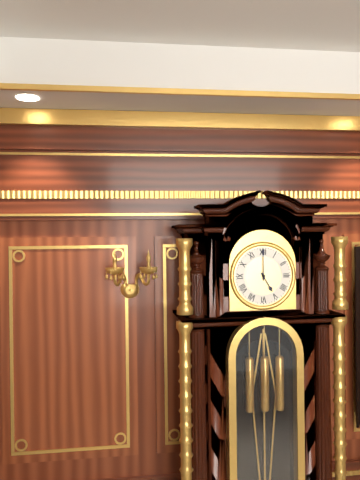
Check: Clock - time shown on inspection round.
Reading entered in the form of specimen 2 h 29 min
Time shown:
5 h 00 min
